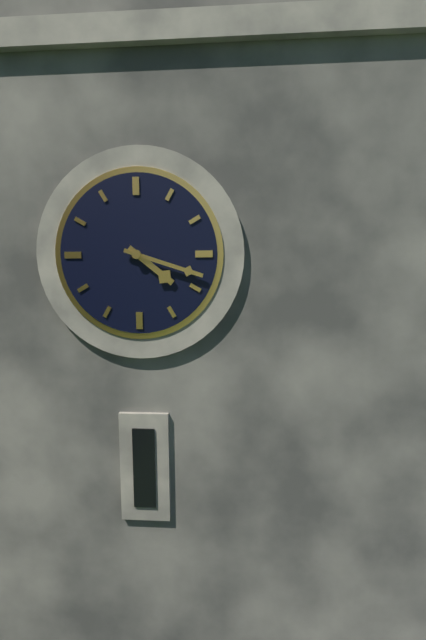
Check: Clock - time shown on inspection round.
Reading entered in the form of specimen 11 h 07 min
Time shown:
4 h 18 min
